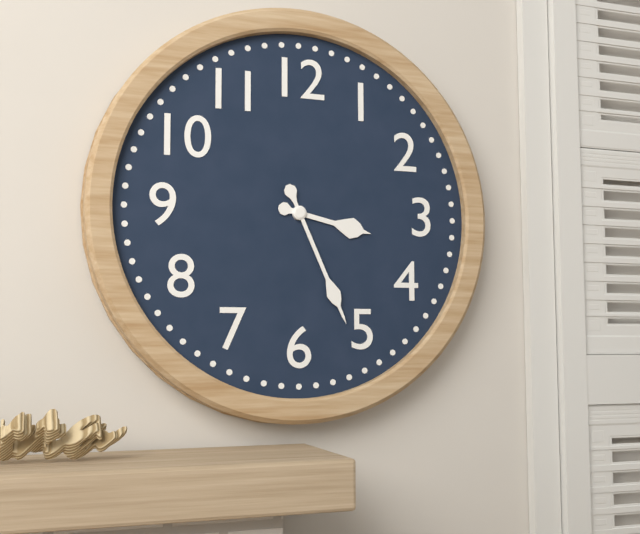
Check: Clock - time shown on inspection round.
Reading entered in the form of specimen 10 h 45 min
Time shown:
3 h 26 min
